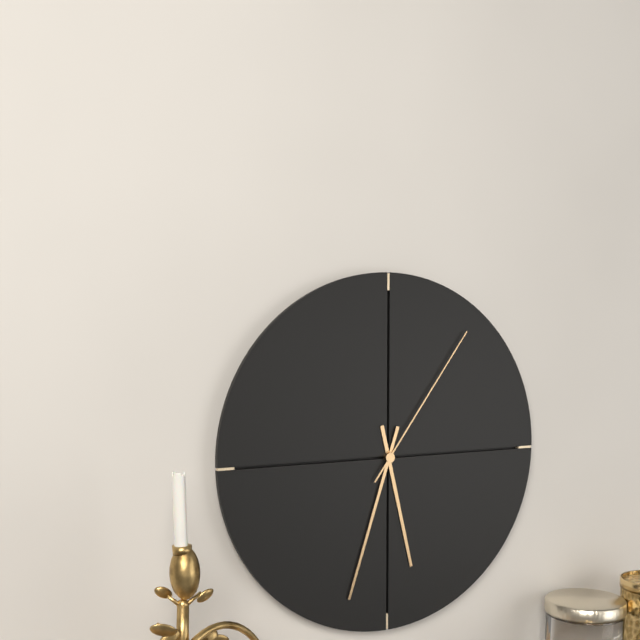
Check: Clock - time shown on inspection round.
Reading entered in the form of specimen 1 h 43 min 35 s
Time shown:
5 h 33 min 06 s
